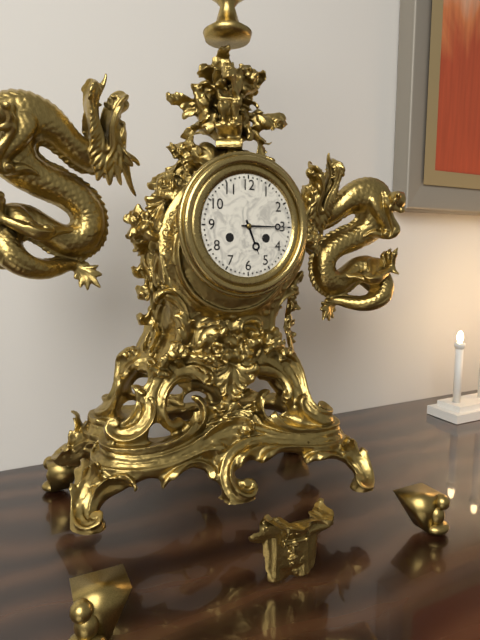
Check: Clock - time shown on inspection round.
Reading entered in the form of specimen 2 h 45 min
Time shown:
5 h 15 min
